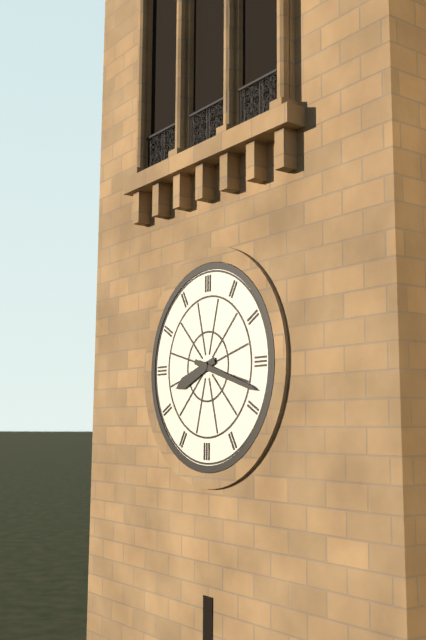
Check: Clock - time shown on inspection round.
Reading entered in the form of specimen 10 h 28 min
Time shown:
8 h 18 min
